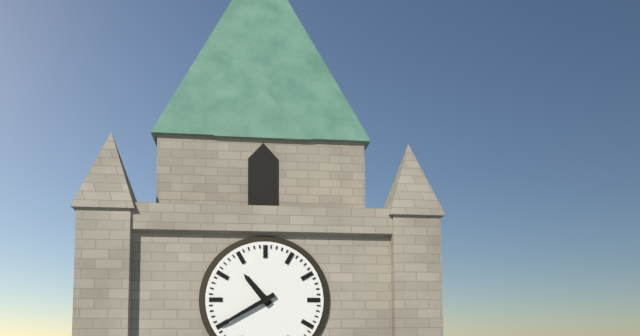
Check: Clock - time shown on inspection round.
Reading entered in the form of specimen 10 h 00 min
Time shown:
10 h 40 min
